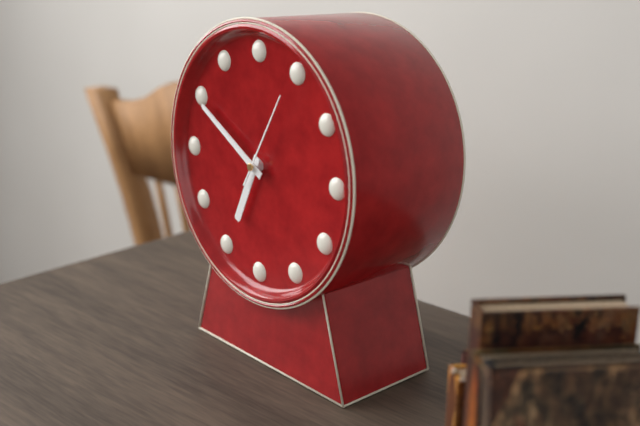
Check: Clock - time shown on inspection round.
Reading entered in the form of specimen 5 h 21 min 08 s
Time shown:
6 h 50 min 05 s
